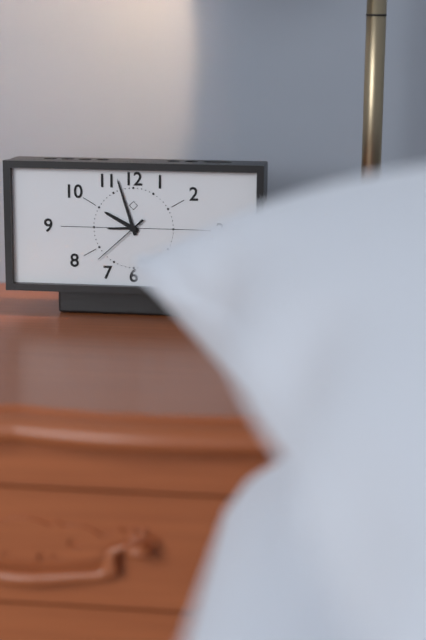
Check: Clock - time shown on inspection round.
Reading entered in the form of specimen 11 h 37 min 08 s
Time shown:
9 h 57 min 38 s
